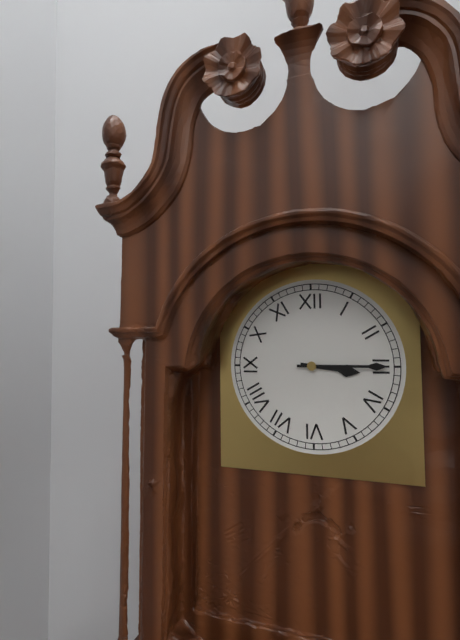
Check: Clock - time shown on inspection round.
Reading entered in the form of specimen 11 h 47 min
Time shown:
3 h 15 min
